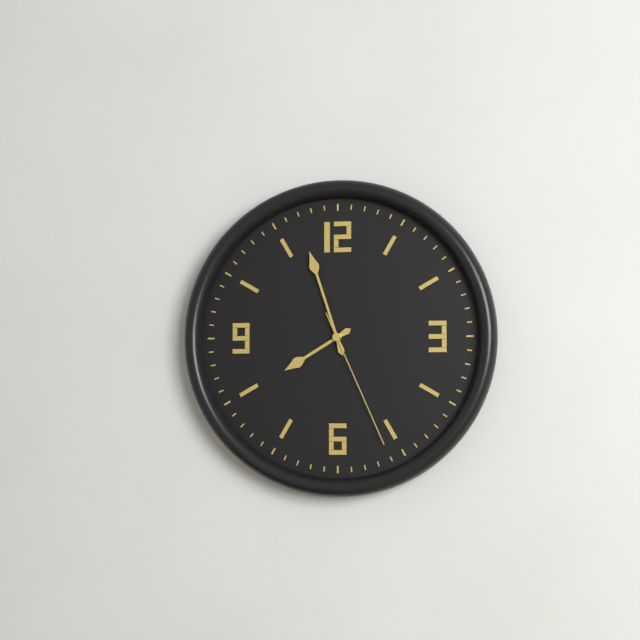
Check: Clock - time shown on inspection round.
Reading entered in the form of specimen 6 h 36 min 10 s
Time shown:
7 h 57 min 26 s
